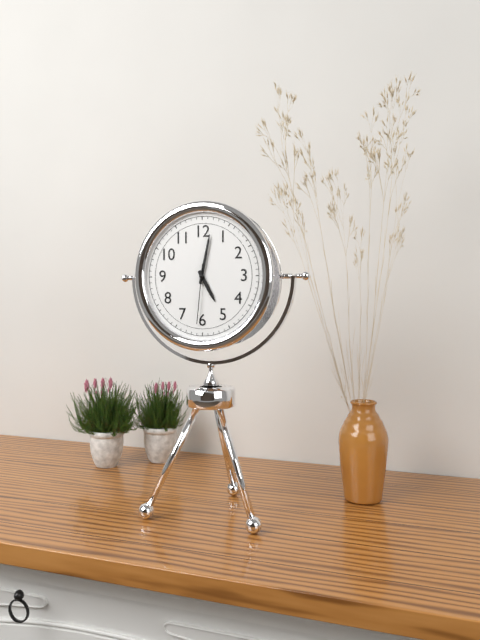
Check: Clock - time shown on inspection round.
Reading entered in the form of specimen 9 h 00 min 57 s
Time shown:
5 h 02 min 31 s
